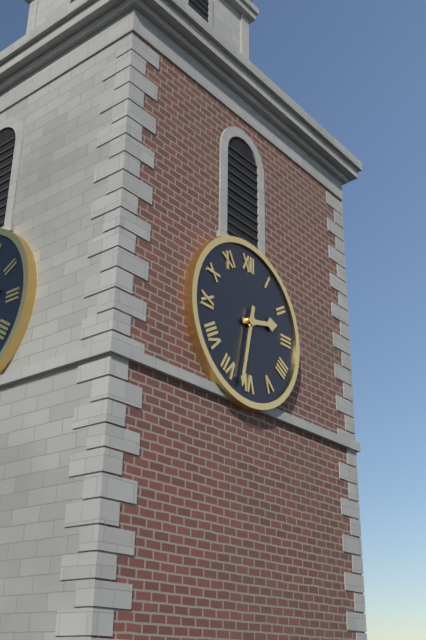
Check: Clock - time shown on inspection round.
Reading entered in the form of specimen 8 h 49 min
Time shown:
2 h 32 min
